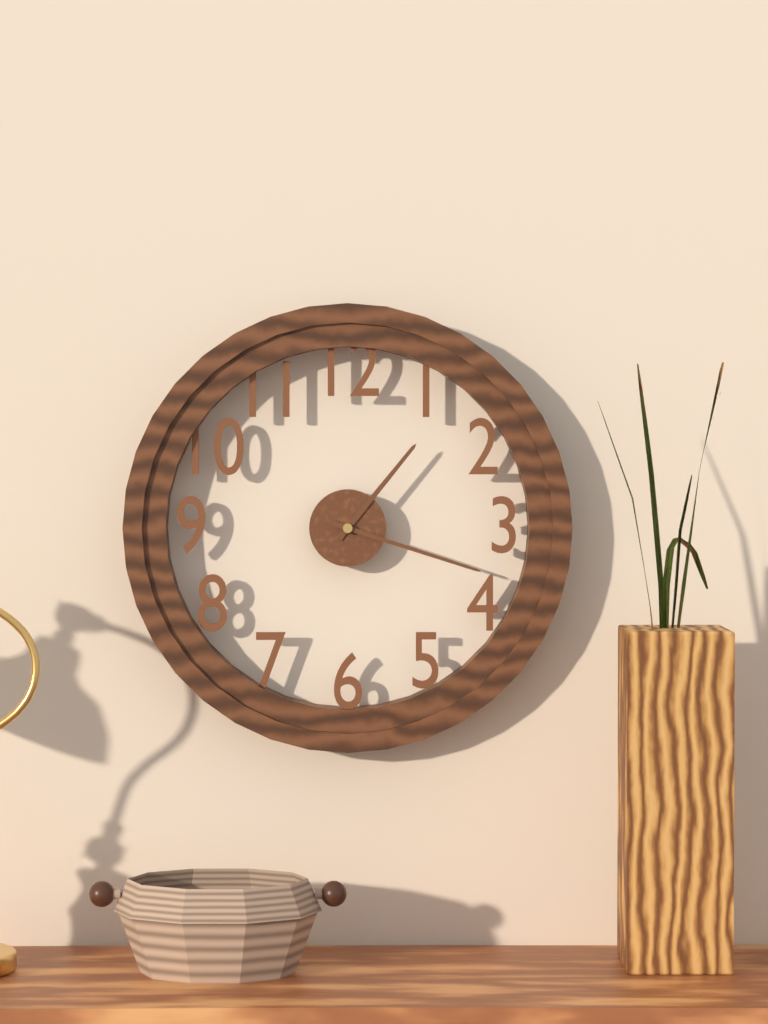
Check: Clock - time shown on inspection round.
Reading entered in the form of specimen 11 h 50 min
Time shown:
1 h 18 min
